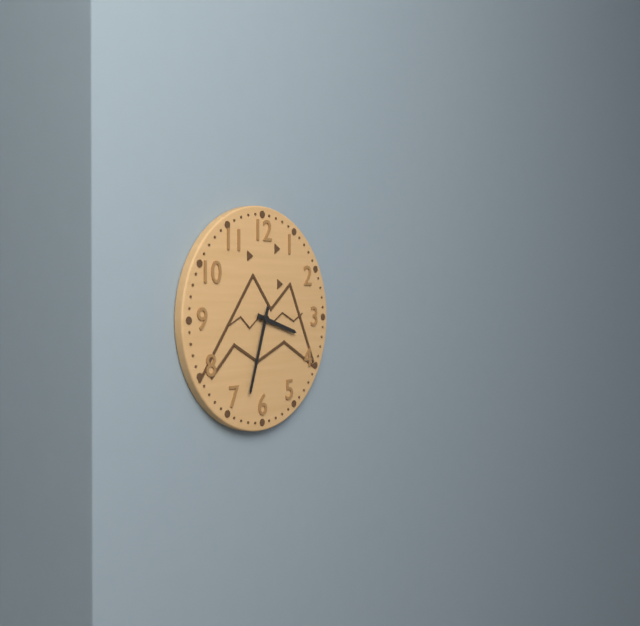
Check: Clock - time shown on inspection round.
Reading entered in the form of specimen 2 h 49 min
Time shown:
3 h 33 min
